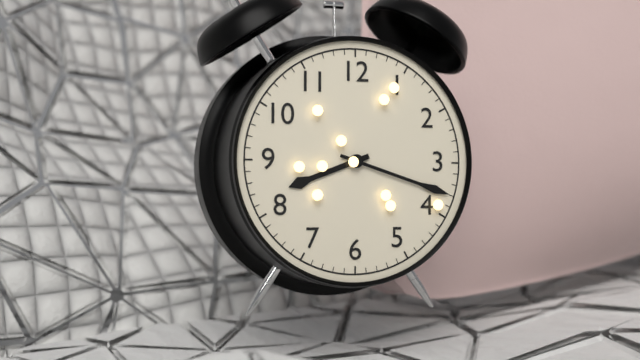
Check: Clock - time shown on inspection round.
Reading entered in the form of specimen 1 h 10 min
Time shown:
8 h 18 min
